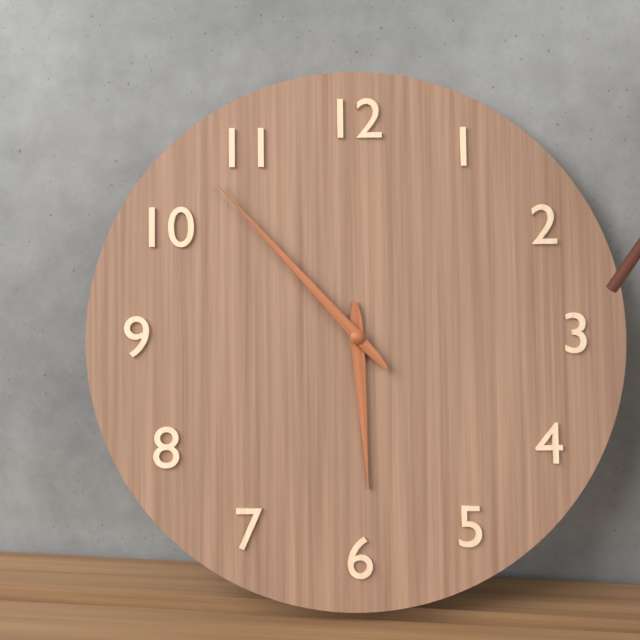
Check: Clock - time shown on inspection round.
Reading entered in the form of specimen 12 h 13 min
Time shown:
5 h 53 min
